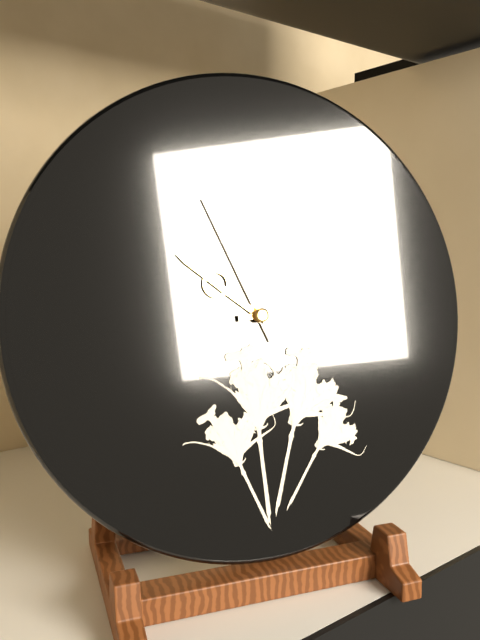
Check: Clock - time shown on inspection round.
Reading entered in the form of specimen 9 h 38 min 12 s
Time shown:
10 h 14 min 56 s
